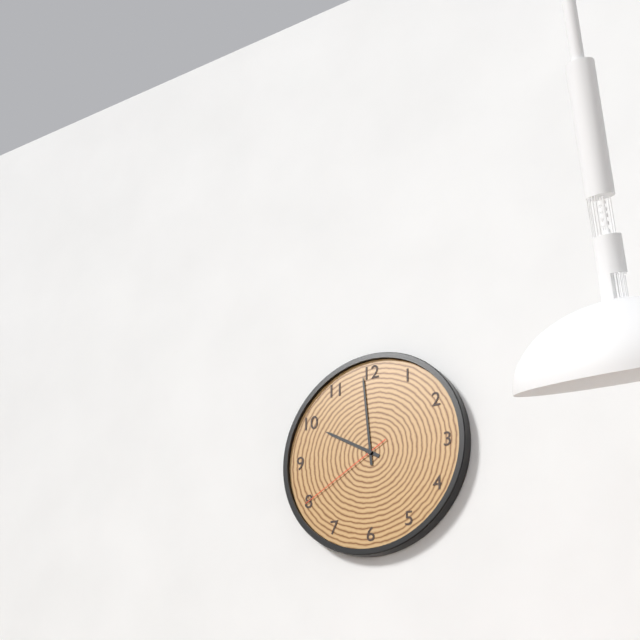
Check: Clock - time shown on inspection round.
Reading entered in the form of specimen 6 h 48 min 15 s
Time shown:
9 h 59 min 40 s
